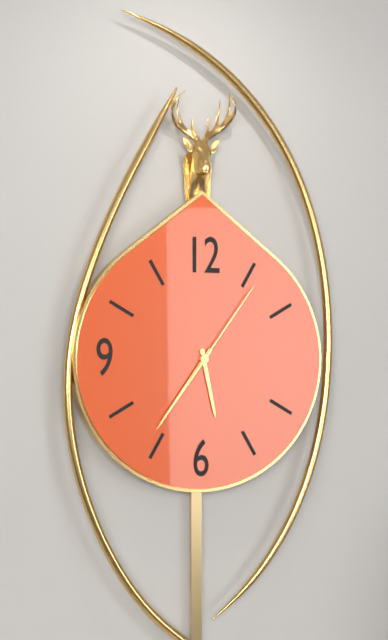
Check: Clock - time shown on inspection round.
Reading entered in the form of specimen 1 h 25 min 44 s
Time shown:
5 h 36 min 06 s
